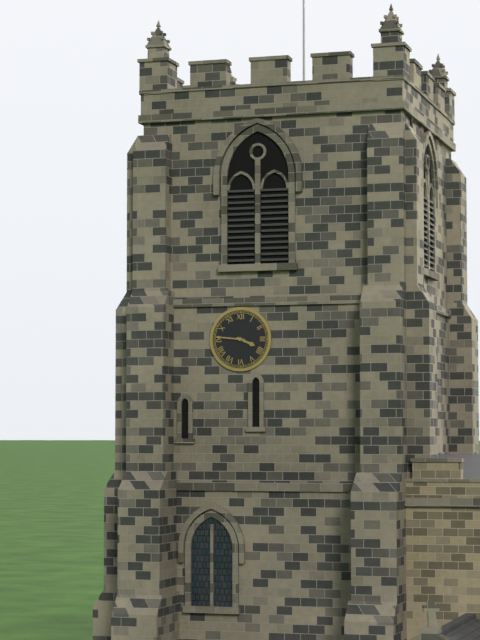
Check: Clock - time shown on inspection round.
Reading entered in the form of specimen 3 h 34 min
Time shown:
3 h 46 min
